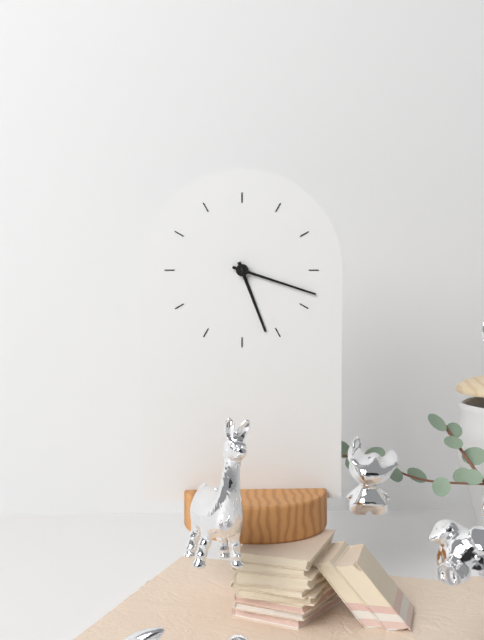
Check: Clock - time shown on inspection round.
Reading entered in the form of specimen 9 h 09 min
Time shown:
5 h 18 min
